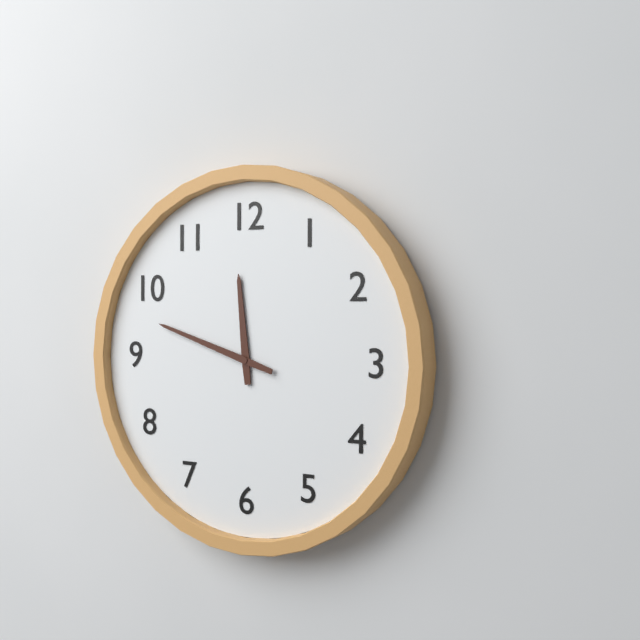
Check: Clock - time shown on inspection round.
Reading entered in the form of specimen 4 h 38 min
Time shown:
11 h 48 min
